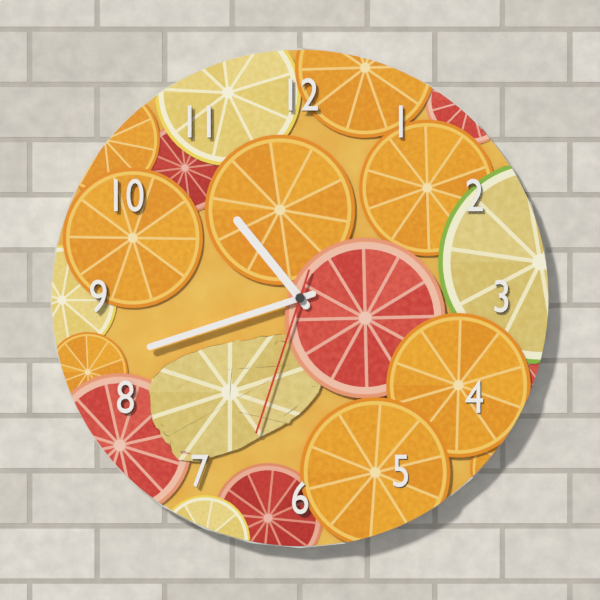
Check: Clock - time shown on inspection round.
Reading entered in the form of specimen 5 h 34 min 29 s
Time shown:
10 h 42 min 33 s
